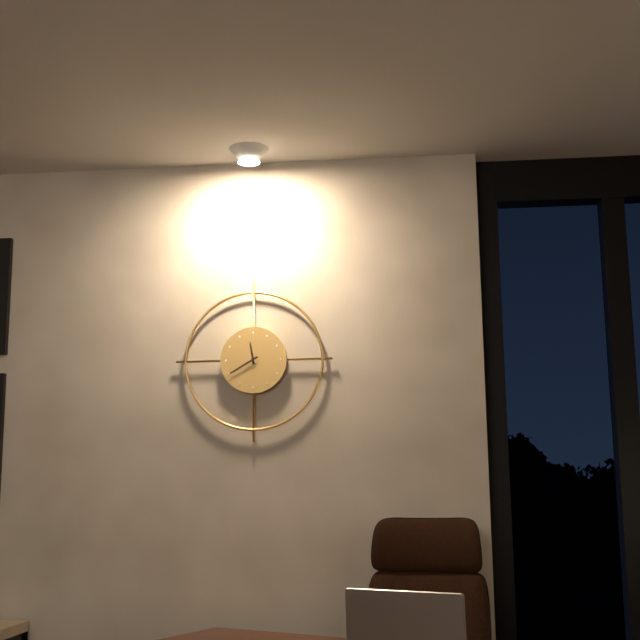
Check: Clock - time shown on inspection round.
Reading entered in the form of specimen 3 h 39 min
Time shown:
11 h 40 min
